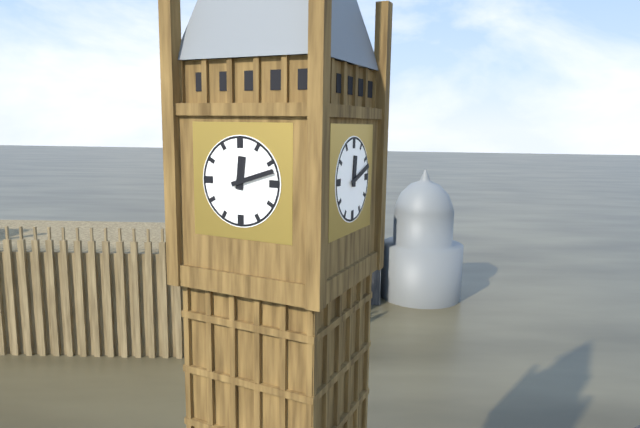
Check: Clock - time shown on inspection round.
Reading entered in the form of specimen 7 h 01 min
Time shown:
12 h 12 min
